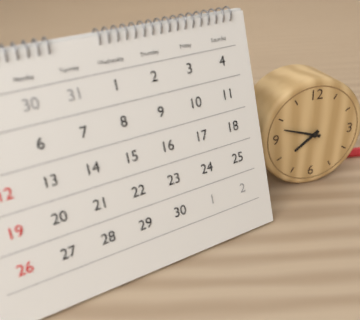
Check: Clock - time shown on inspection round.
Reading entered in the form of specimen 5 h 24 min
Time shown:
7 h 48 min
